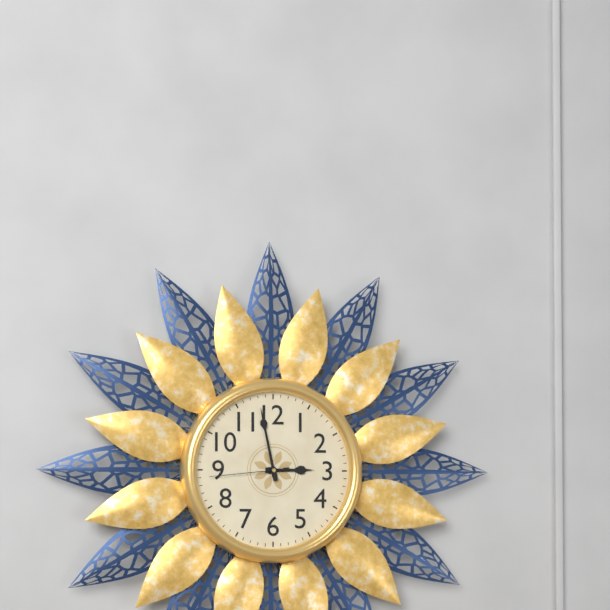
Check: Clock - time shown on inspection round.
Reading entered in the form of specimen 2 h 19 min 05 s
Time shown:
2 h 58 min 44 s
